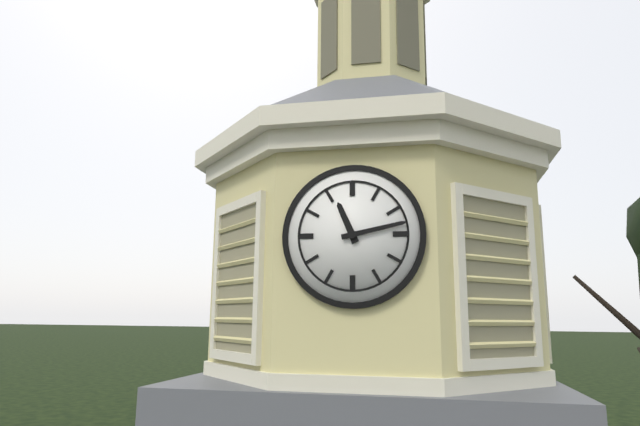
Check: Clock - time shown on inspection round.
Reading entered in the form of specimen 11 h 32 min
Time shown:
11 h 13 min
